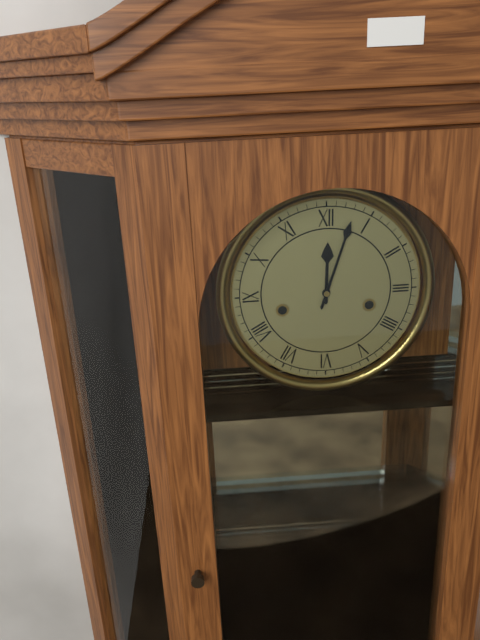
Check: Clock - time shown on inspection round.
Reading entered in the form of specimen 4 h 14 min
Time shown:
12 h 03 min
